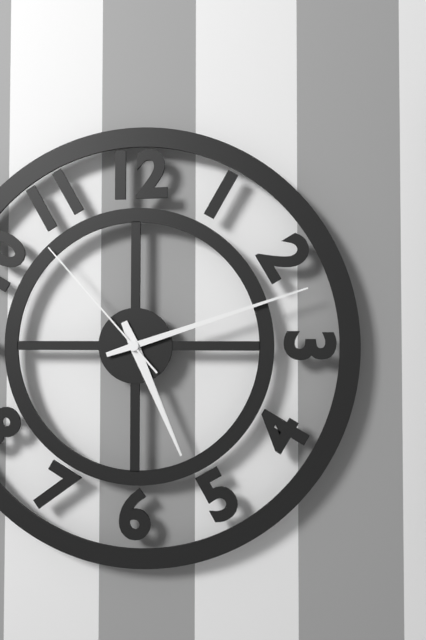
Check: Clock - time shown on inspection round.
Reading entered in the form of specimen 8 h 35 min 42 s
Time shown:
5 h 12 min 53 s
